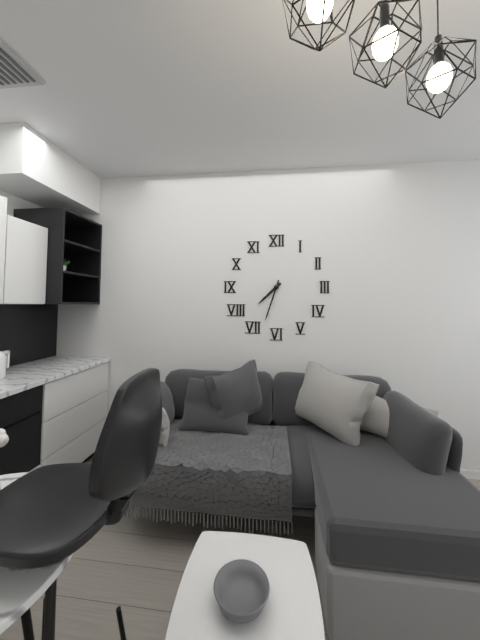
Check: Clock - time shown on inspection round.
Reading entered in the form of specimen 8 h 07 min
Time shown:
7 h 33 min
